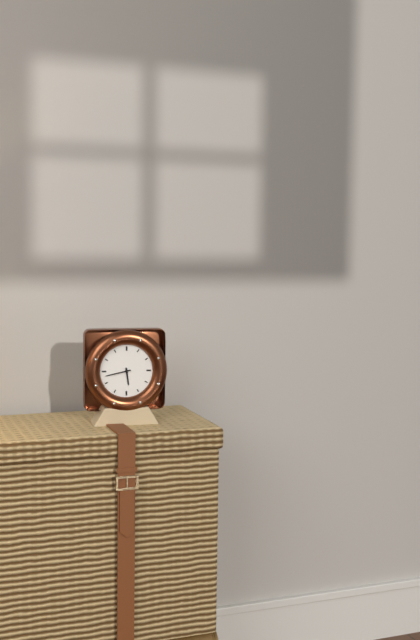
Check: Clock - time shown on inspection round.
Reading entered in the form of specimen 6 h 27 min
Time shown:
5 h 43 min
